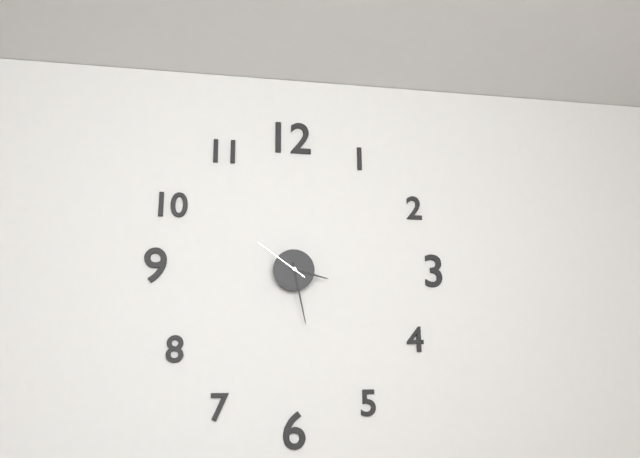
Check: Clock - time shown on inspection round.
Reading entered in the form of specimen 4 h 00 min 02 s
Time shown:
3 h 28 min 51 s
